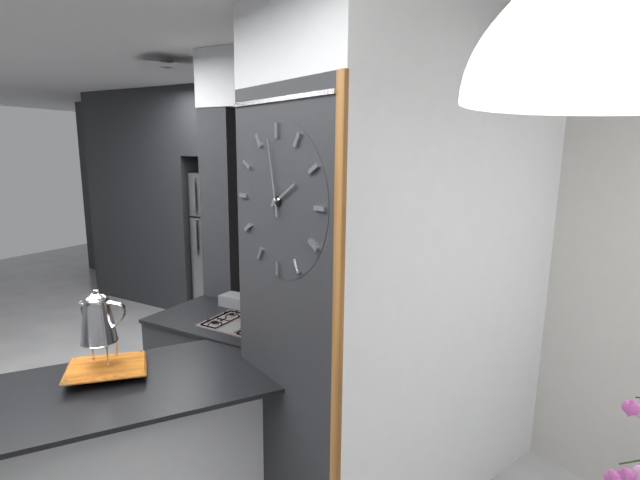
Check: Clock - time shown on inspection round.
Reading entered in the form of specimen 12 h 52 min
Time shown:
1 h 58 min
